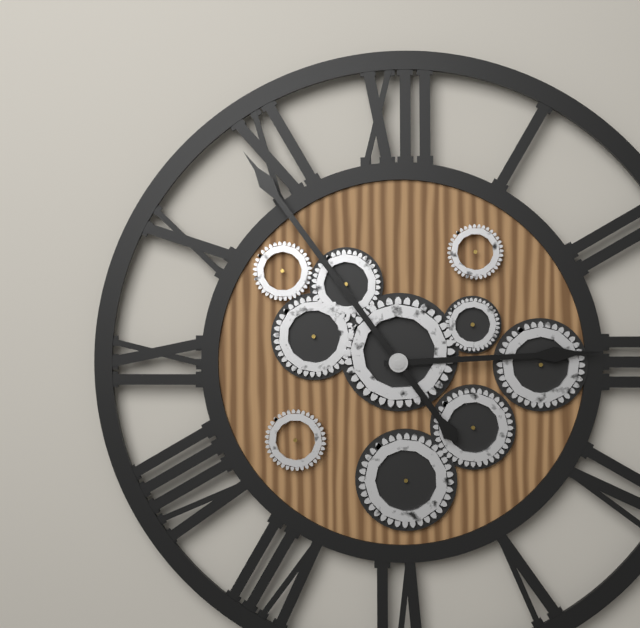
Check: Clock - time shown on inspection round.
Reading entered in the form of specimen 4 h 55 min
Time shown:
2 h 54 min
